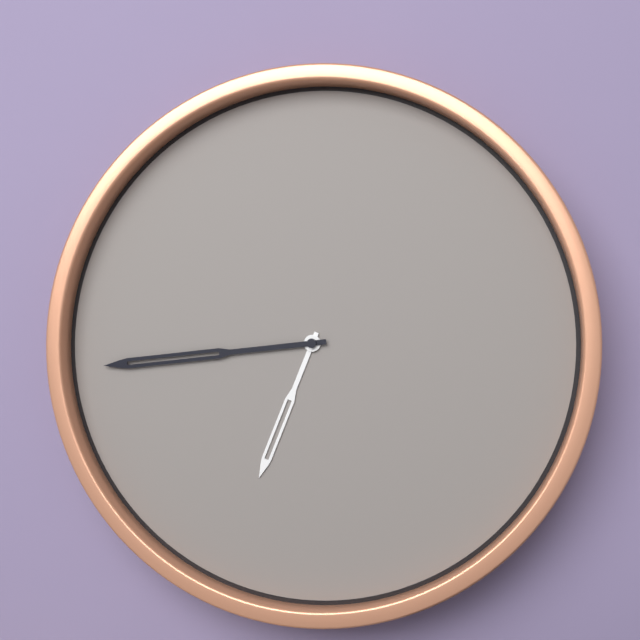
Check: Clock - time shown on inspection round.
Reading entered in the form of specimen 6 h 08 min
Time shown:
6 h 44 min
